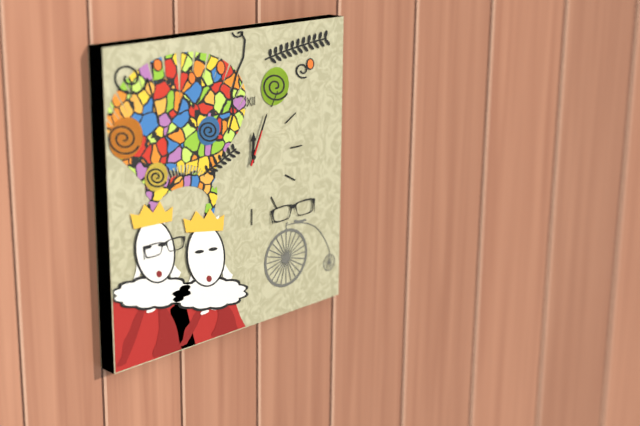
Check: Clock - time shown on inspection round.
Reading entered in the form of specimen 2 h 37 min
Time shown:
12 h 04 min
